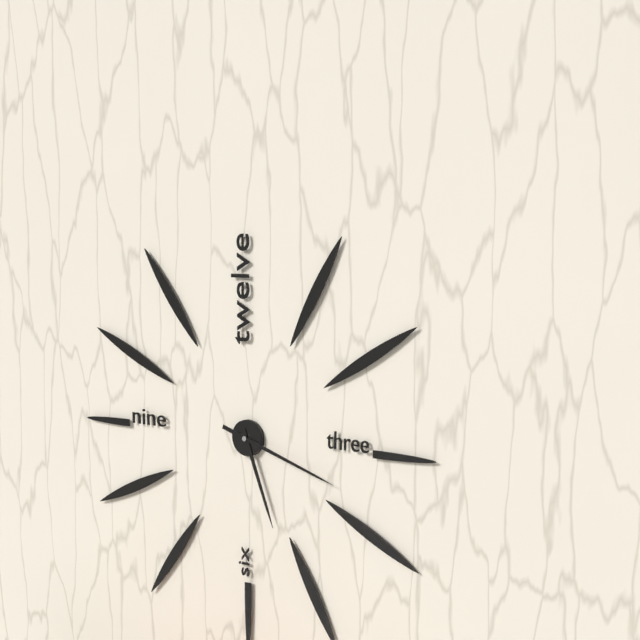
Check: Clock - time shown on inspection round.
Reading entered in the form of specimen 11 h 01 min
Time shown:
5 h 18 min
